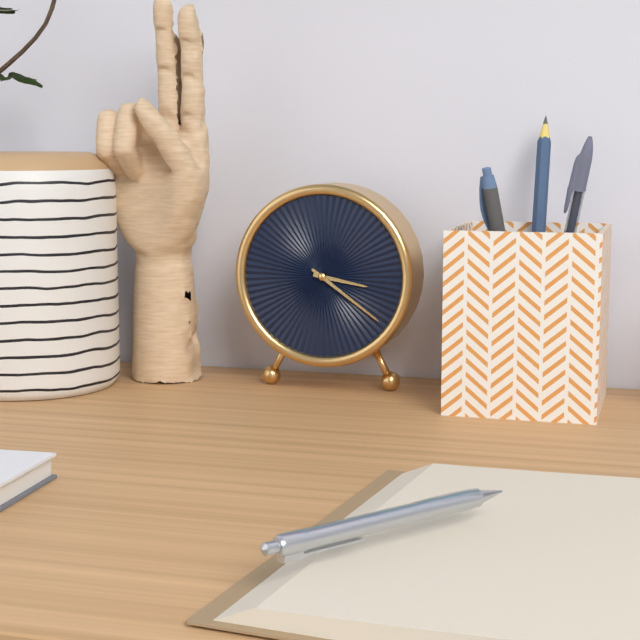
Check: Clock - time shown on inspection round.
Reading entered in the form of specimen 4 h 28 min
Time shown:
3 h 21 min
